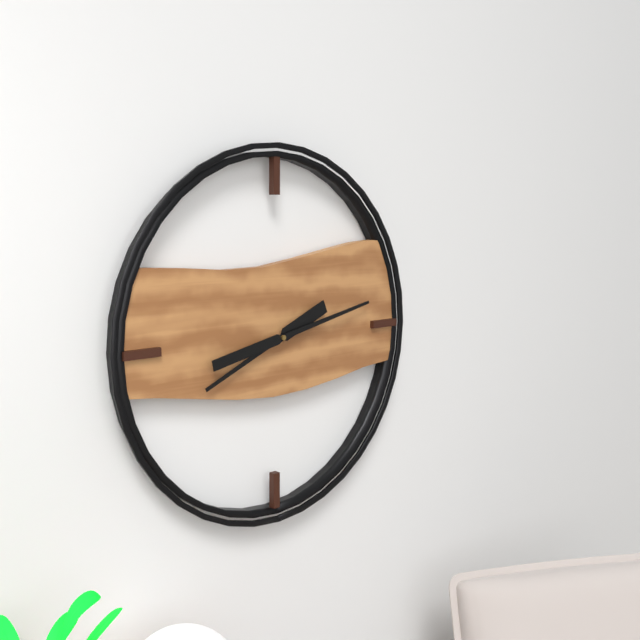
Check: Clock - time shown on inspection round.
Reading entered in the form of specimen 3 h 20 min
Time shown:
8 h 13 min
